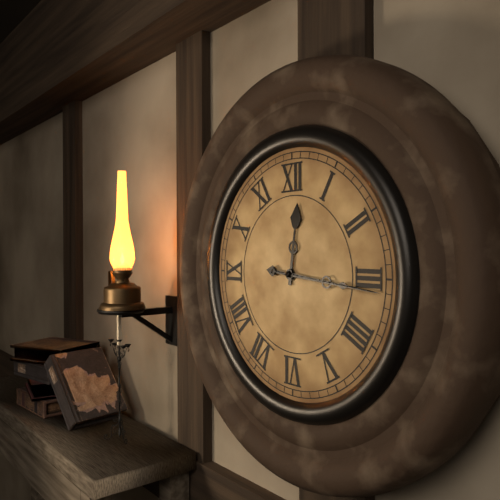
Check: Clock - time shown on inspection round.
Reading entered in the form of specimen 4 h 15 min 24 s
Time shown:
12 h 16 min 16 s
